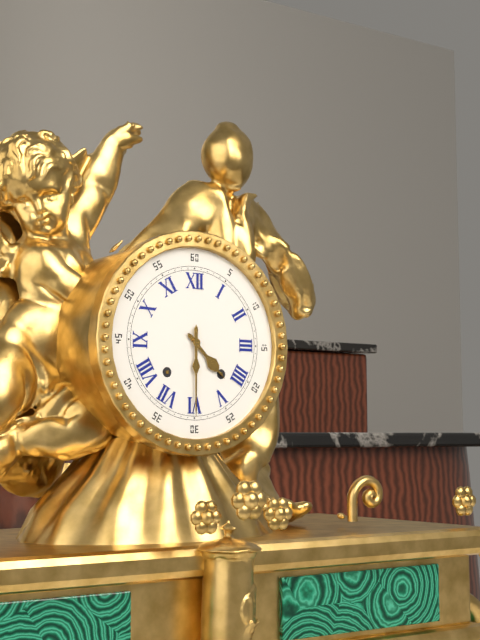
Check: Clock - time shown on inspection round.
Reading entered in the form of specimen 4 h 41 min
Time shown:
4 h 30 min
